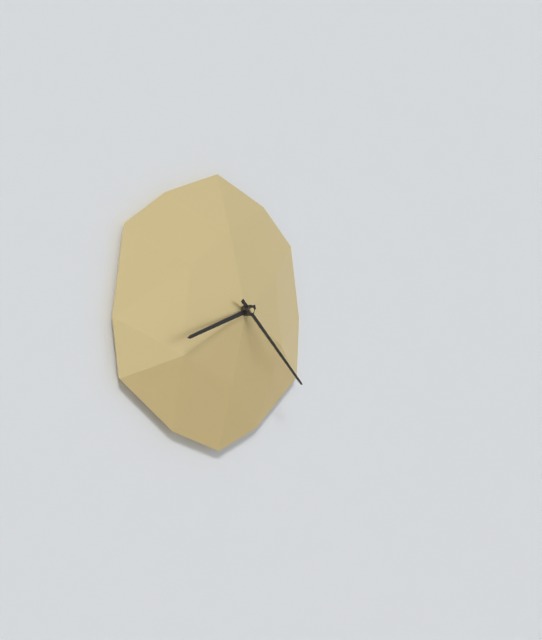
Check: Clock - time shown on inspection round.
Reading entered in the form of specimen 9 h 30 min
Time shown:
8 h 22 min
